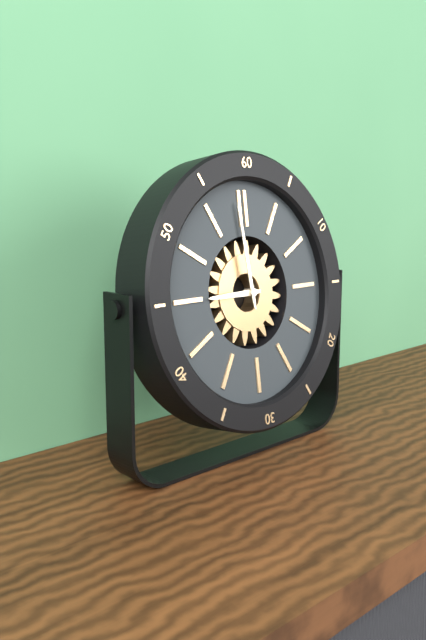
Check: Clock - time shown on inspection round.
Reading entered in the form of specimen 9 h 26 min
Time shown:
8 h 59 min
